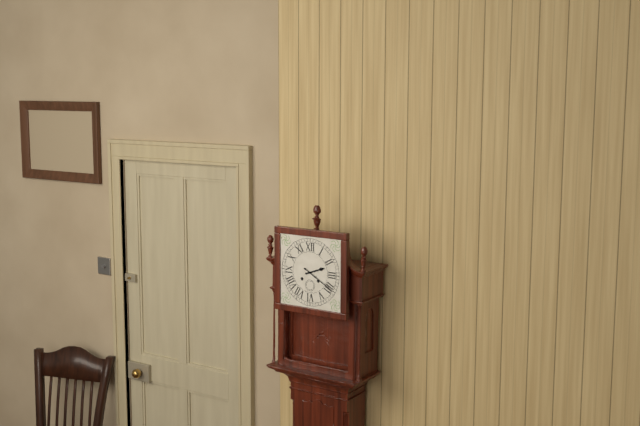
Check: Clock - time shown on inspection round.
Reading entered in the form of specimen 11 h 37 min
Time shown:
2 h 20 min
